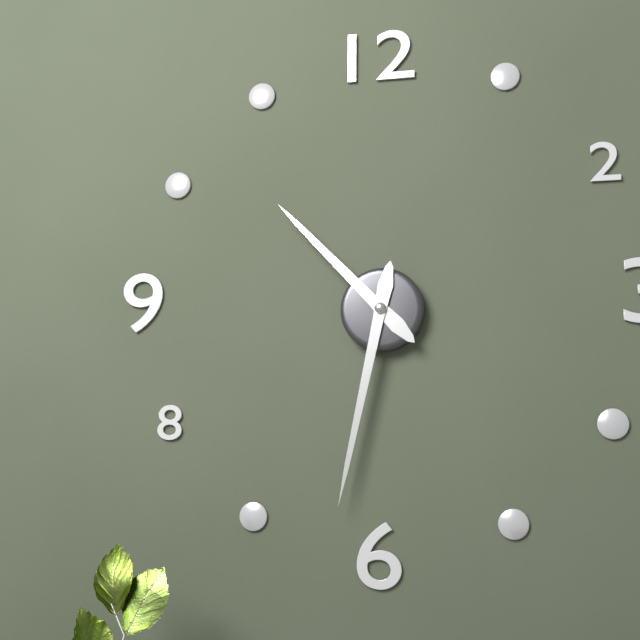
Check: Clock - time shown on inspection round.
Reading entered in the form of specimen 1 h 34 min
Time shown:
10 h 32 min
